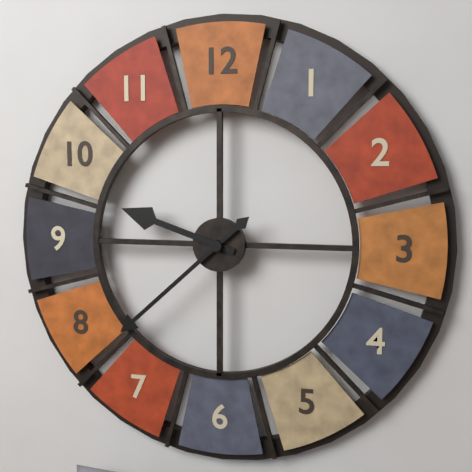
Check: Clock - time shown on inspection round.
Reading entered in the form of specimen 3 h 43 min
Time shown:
9 h 38 min
